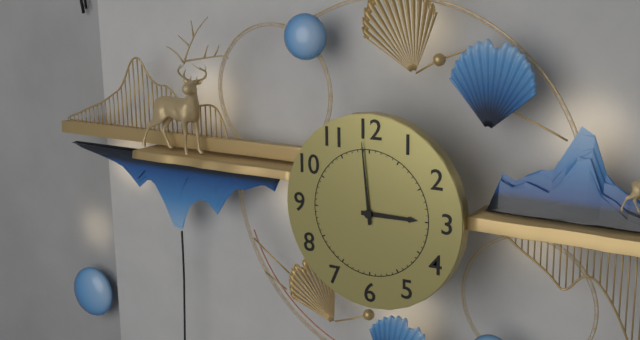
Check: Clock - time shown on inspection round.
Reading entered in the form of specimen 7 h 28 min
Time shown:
2 h 59 min
